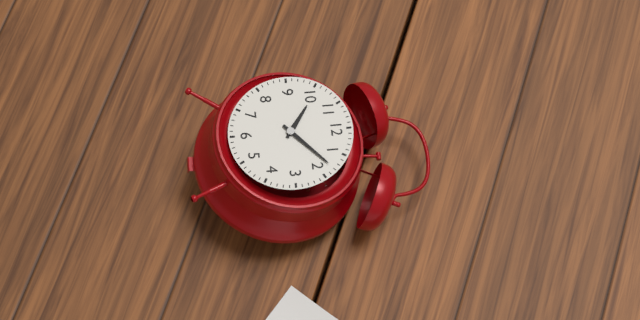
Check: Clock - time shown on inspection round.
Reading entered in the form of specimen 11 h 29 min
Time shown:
10 h 08 min
